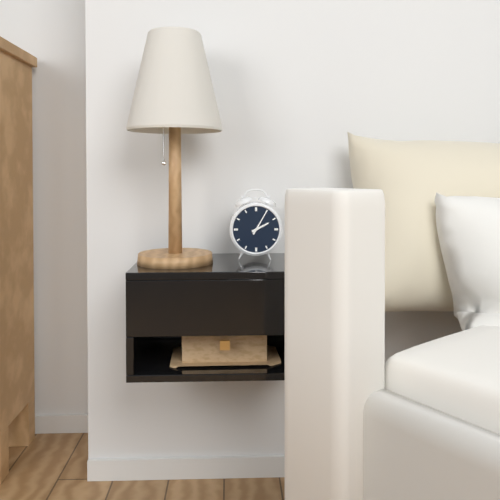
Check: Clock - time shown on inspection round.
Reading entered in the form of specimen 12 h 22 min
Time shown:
2 h 05 min
